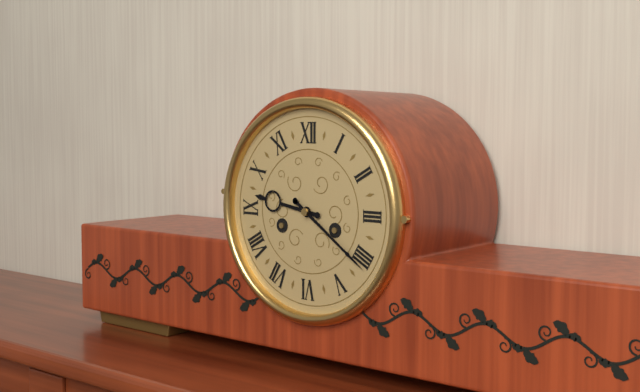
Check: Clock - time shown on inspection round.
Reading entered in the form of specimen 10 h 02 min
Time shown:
9 h 21 min
